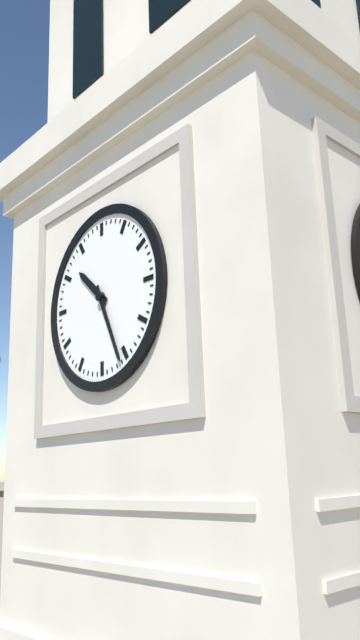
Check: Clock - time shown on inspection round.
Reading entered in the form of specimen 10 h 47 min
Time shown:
10 h 26 min
